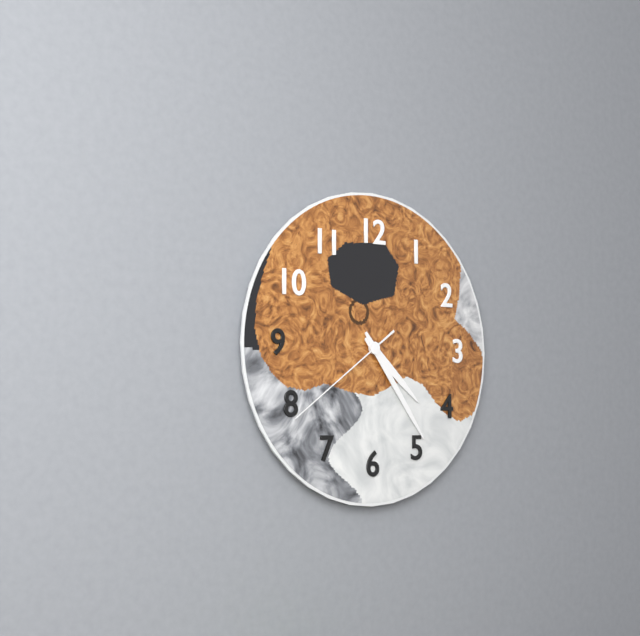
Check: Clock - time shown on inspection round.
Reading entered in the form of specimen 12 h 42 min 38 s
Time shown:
4 h 24 min 39 s
